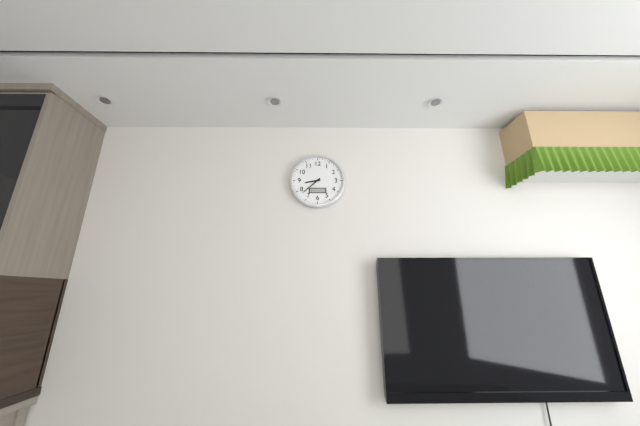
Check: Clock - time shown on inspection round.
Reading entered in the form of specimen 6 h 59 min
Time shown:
8 h 38 min
